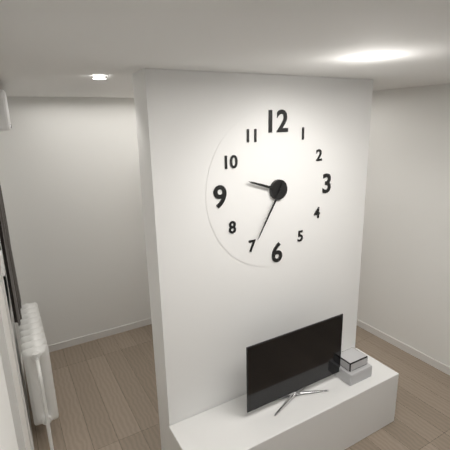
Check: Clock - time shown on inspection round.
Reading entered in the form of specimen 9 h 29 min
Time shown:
9 h 35 min
